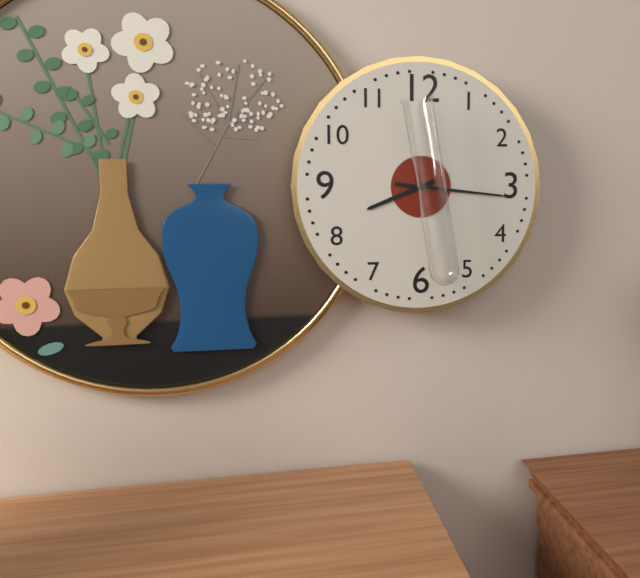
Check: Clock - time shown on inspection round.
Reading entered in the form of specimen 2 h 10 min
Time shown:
8 h 16 min
